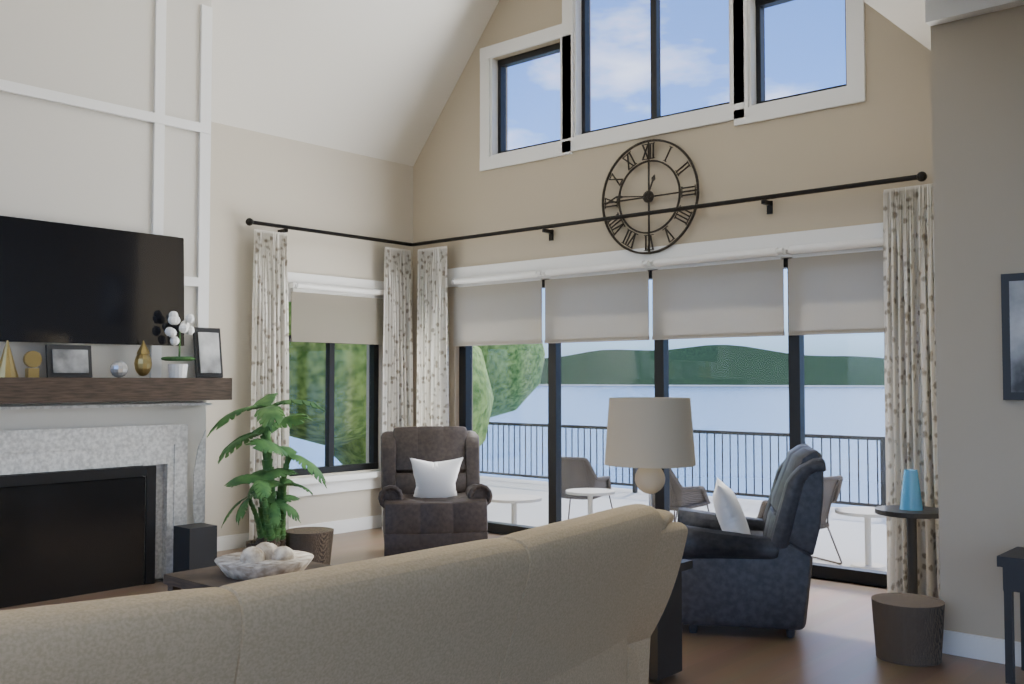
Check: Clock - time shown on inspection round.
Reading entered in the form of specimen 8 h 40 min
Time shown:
12 h 46 min
